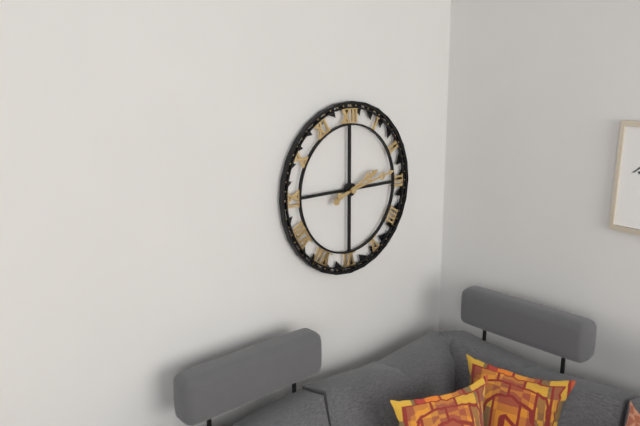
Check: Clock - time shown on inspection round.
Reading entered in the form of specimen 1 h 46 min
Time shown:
2 h 13 min
